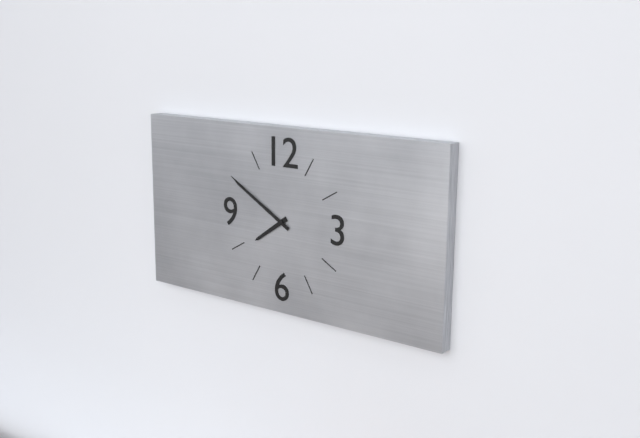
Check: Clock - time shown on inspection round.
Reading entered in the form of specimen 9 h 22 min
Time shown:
7 h 50 min
